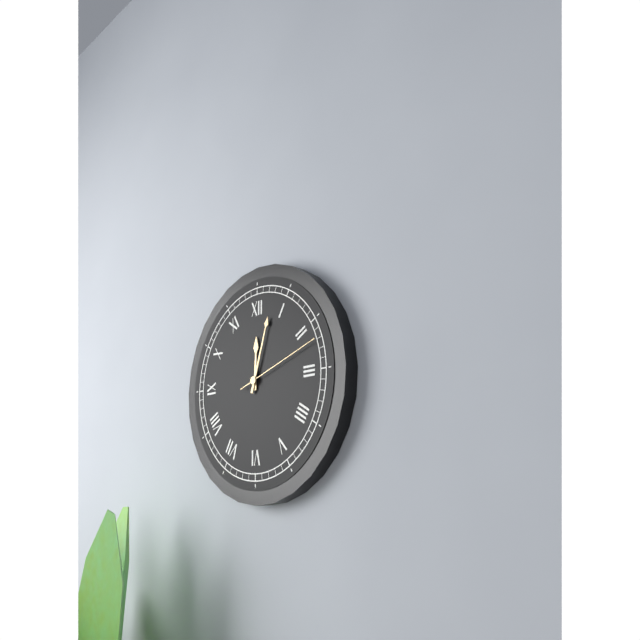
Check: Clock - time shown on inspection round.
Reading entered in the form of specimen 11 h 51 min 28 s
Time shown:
12 h 03 min 12 s
